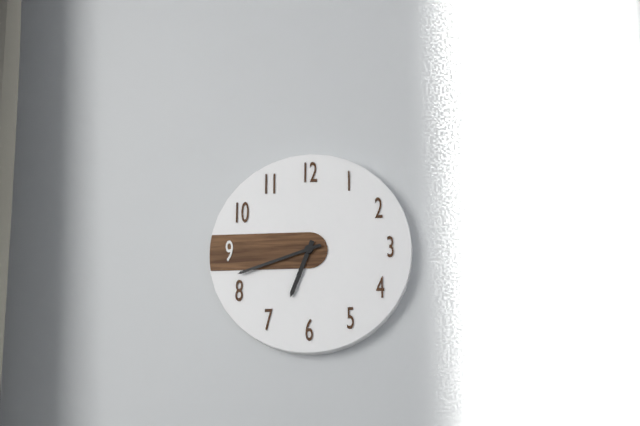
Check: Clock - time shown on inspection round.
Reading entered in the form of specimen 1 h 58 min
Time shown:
6 h 42 min
